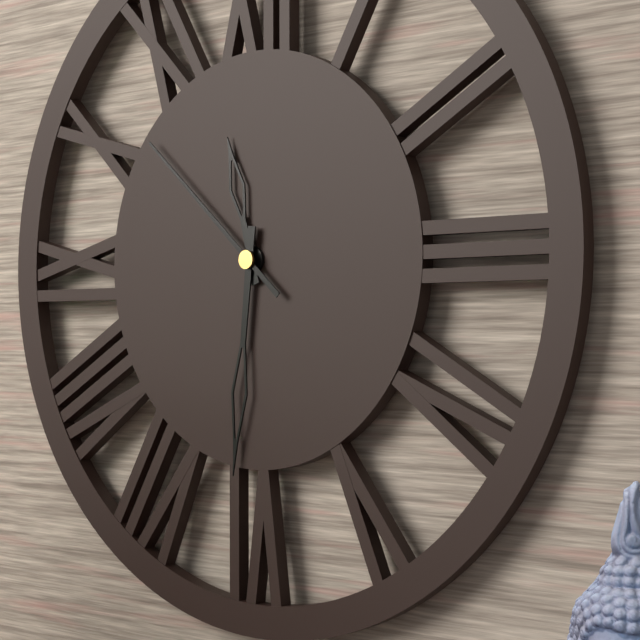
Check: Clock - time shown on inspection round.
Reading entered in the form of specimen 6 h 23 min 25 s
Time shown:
11 h 31 min 52 s
